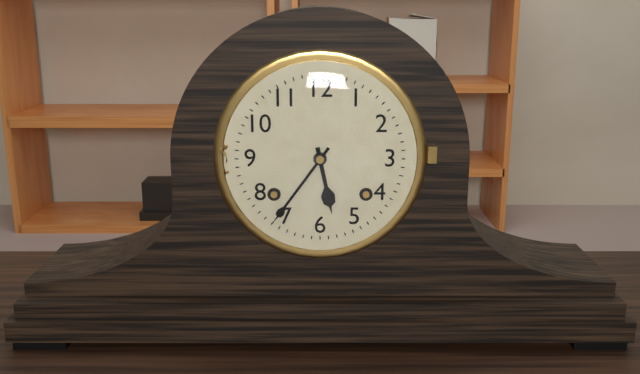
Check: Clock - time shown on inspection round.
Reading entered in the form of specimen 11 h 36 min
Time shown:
5 h 36 min
